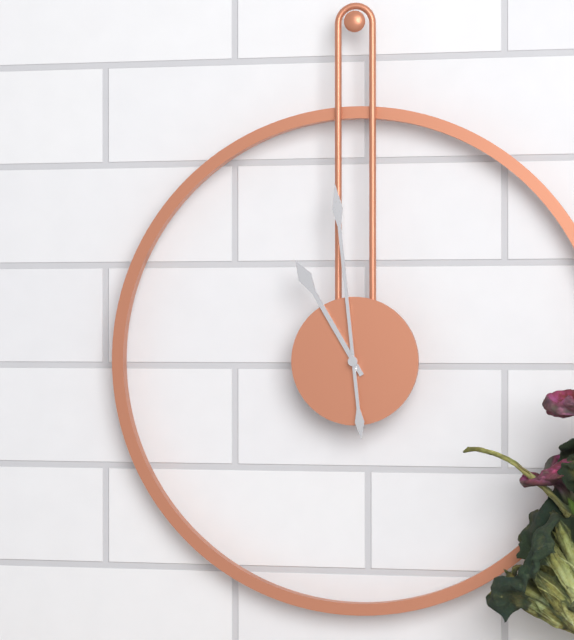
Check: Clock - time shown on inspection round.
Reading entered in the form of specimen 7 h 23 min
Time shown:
10 h 59 min
